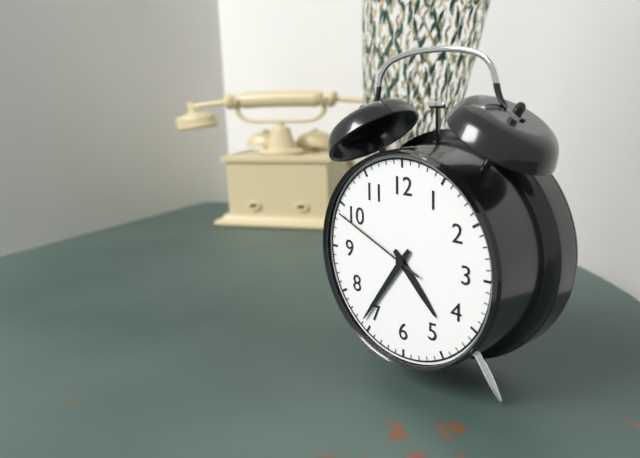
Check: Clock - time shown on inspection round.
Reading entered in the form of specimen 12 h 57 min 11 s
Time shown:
4 h 36 min 49 s
